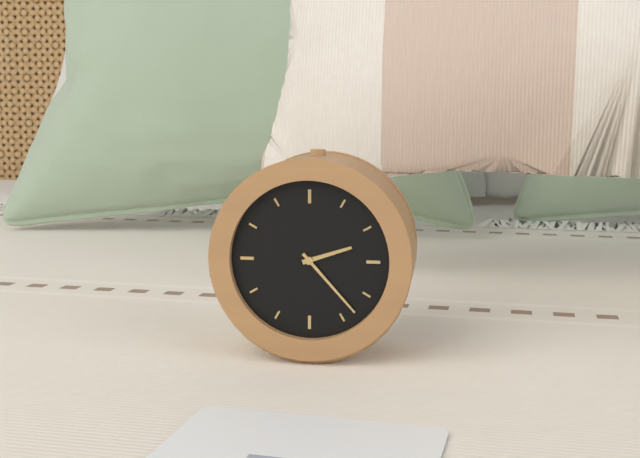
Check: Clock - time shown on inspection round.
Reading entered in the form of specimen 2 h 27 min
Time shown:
2 h 23 min
